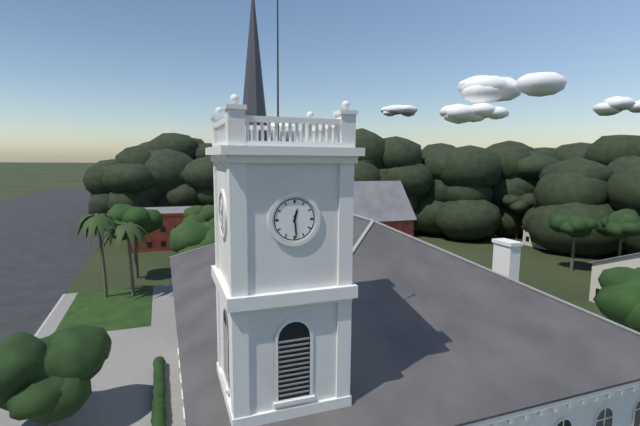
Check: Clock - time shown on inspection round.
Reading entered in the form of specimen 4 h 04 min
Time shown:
12 h 29 min
